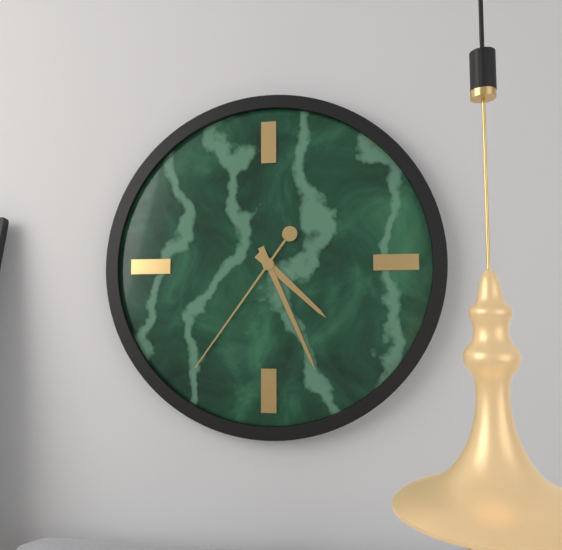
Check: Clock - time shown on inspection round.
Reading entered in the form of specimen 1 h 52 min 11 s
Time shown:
4 h 26 min 36 s
